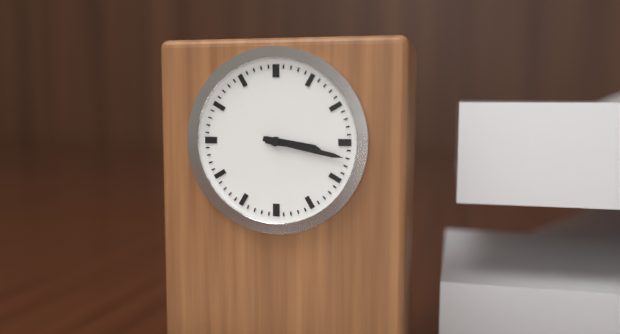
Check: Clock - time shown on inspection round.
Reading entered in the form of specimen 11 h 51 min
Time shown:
3 h 17 min
